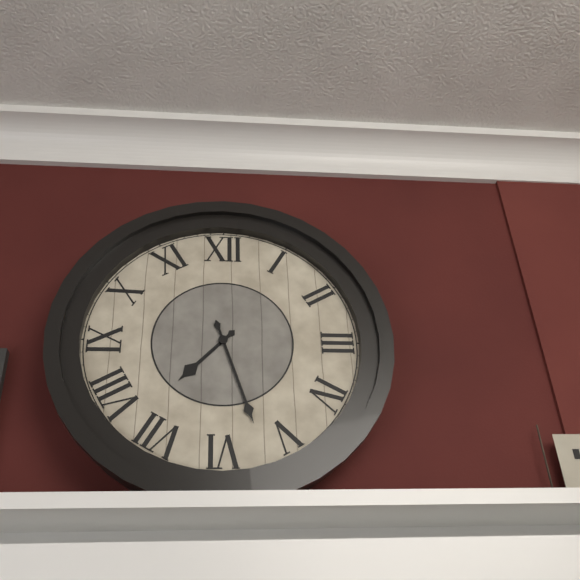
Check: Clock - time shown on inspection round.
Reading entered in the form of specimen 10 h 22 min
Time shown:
7 h 27 min
